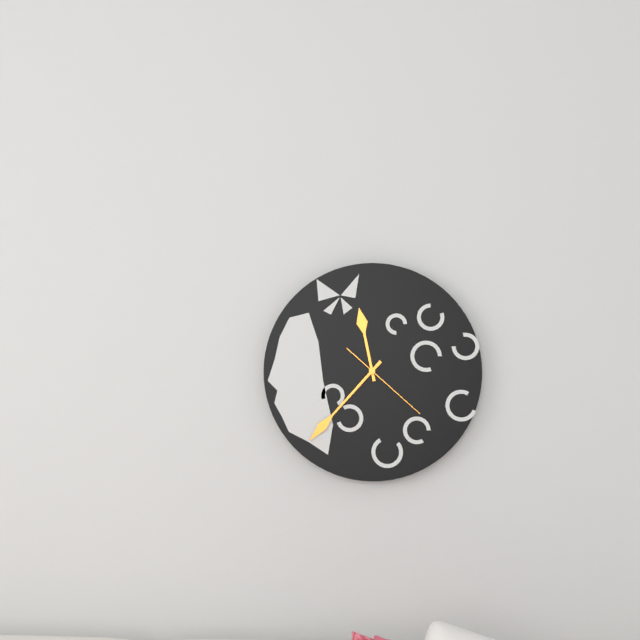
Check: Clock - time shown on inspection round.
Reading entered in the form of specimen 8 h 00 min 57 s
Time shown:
11 h 37 min 22 s
